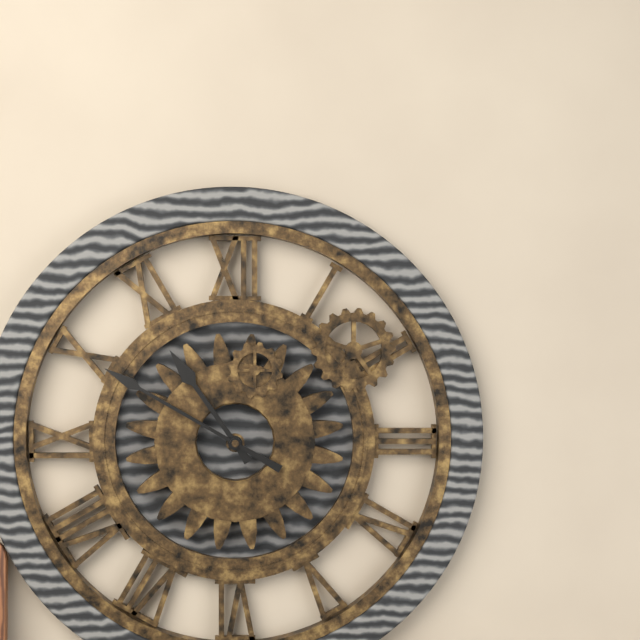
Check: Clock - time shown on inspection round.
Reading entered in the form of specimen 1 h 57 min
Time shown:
10 h 50 min
